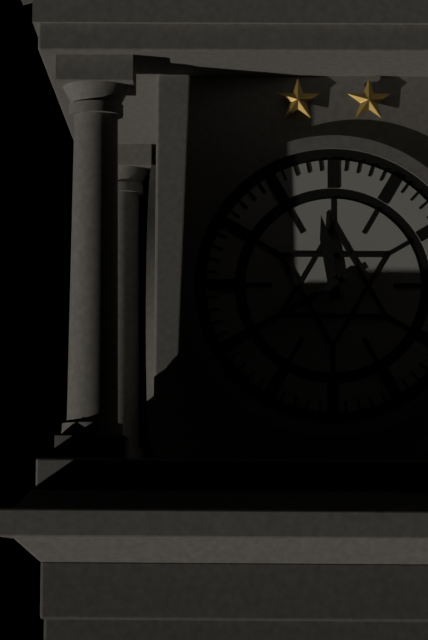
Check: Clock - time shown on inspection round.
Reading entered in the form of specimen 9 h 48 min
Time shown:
11 h 40 min
